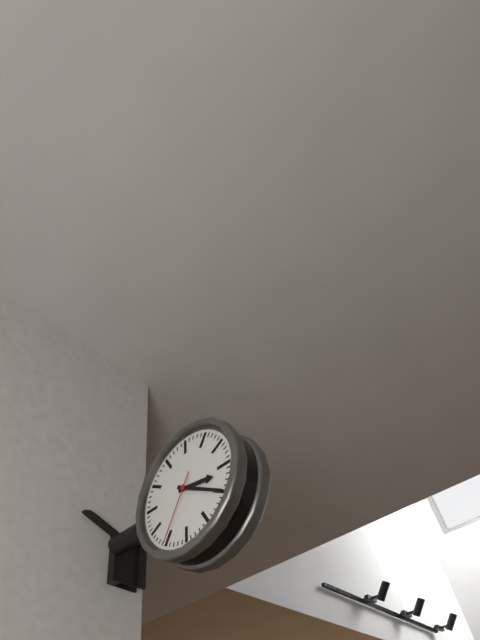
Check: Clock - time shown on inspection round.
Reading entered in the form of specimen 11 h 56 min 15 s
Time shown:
3 h 20 min 35 s
